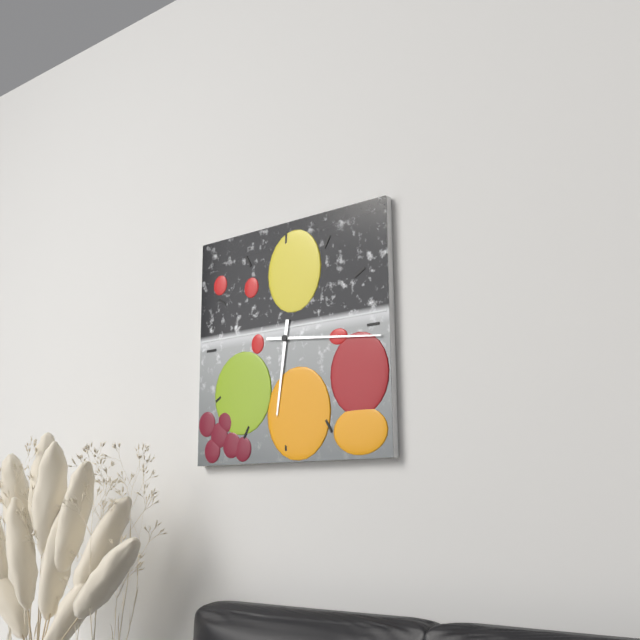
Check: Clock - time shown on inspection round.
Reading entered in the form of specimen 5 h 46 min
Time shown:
6 h 16 min
